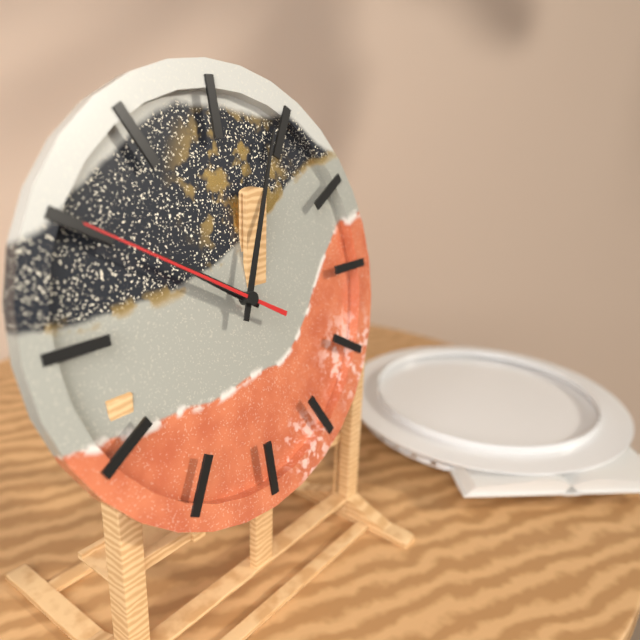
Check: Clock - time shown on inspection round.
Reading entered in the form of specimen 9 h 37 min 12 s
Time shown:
10 h 04 min 50 s
